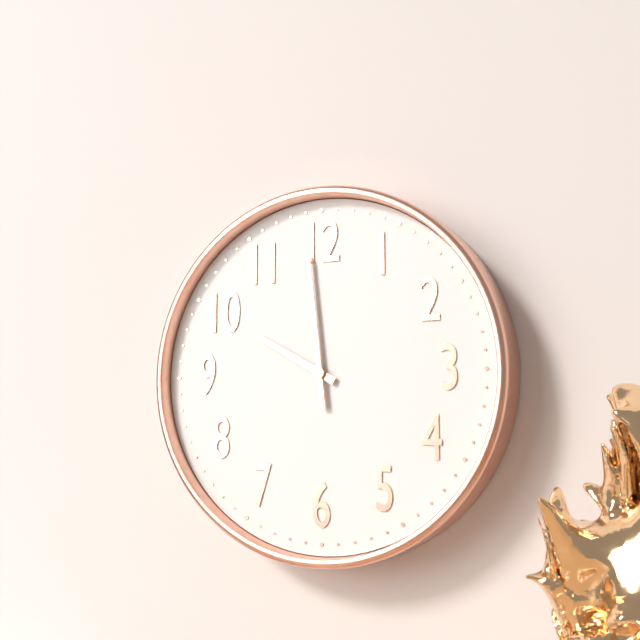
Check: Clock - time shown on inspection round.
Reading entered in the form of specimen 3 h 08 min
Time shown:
9 h 59 min
